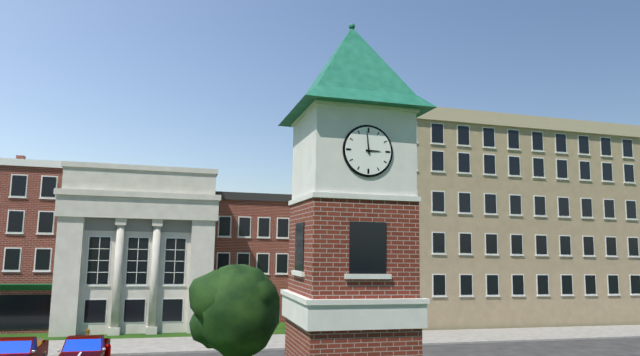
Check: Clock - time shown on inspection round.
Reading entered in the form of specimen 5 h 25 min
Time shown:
2 h 59 min
